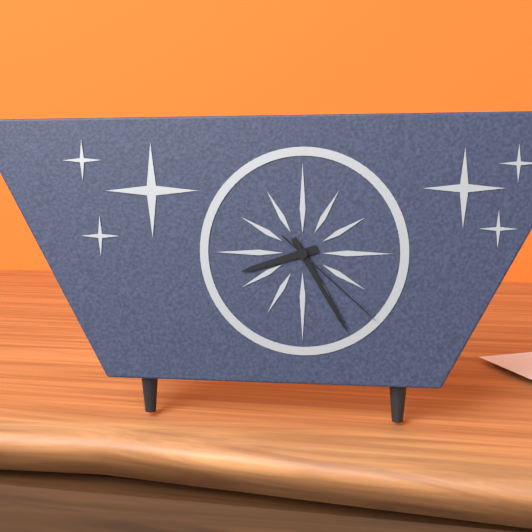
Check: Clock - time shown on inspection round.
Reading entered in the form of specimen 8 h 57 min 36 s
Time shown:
8 h 25 min 22 s
